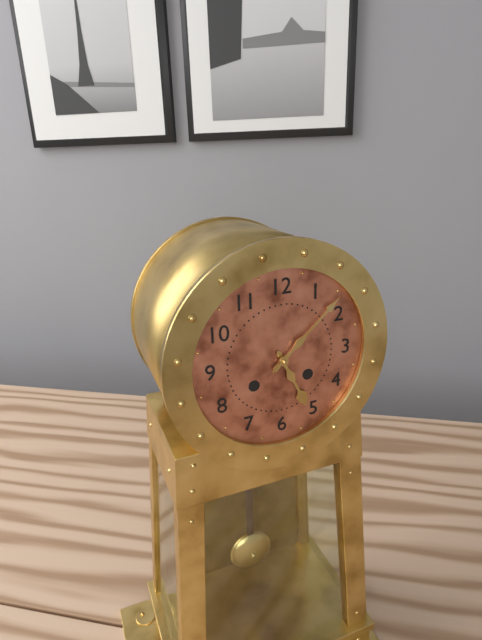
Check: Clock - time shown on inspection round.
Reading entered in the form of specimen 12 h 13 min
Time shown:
5 h 08 min
